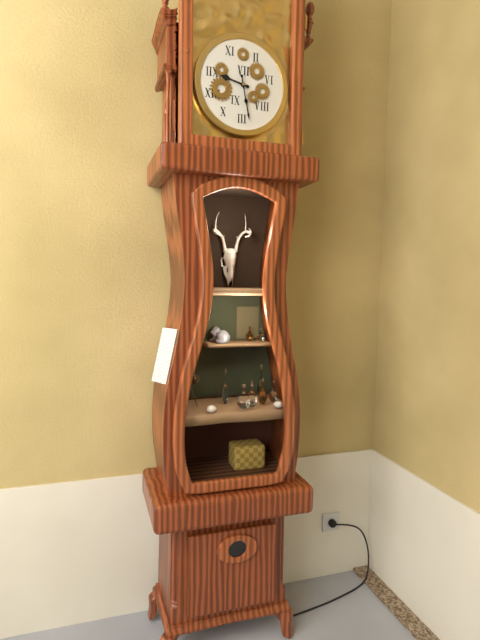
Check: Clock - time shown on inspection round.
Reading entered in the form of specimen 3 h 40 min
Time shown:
9 h 28 min
